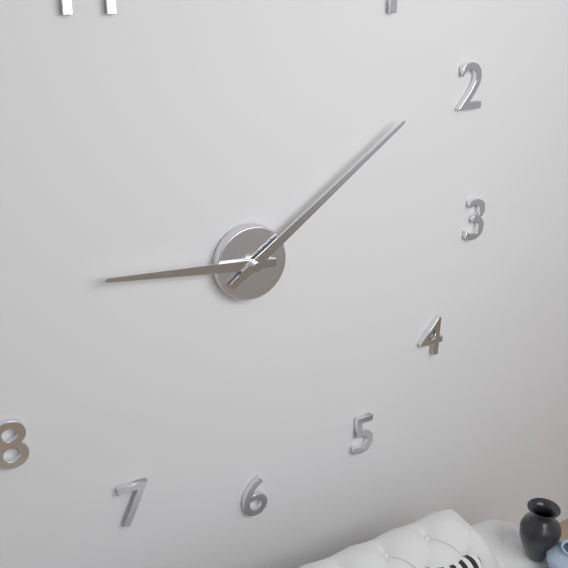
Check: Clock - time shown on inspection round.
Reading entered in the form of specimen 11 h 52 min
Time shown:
9 h 09 min
